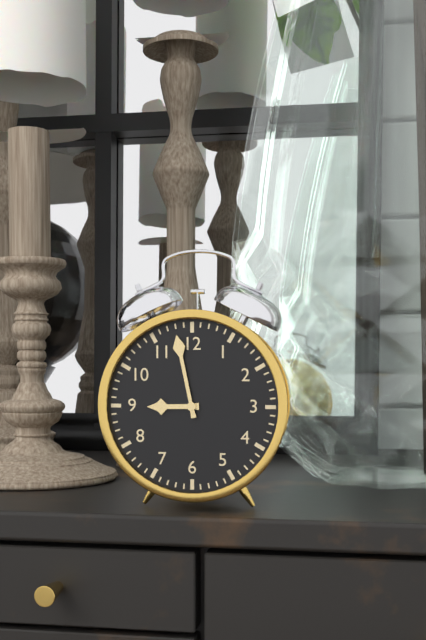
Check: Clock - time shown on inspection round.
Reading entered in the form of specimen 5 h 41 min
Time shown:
8 h 58 min
